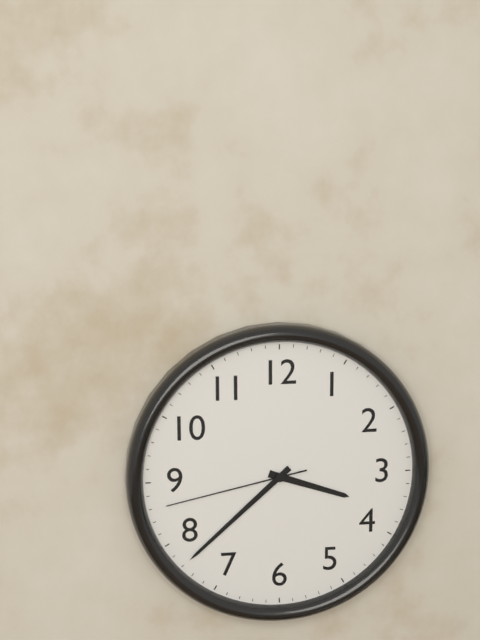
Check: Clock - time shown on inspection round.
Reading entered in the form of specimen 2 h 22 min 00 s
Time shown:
3 h 38 min 43 s
